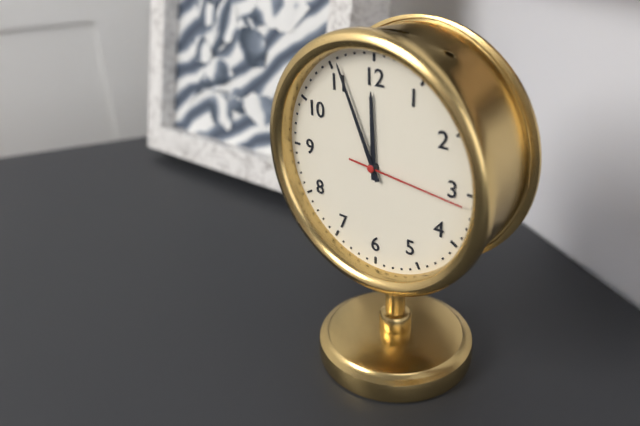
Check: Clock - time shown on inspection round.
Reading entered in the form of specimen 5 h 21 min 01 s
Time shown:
11 h 56 min 16 s
